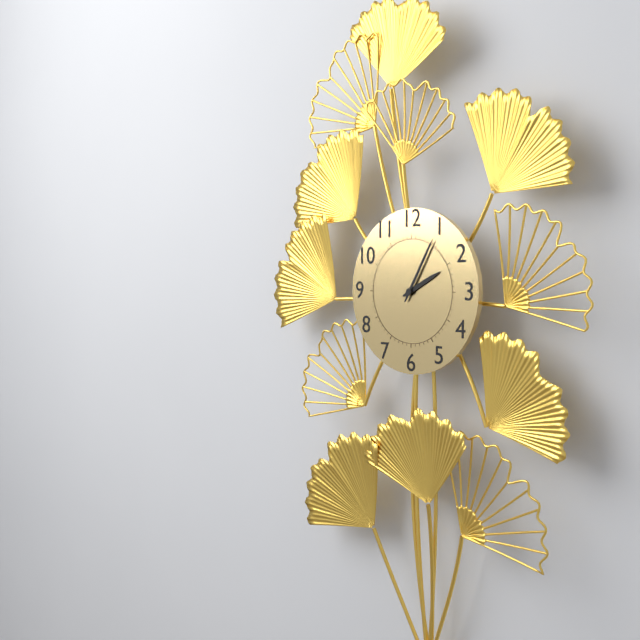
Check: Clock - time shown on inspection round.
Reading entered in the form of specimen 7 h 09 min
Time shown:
2 h 05 min
